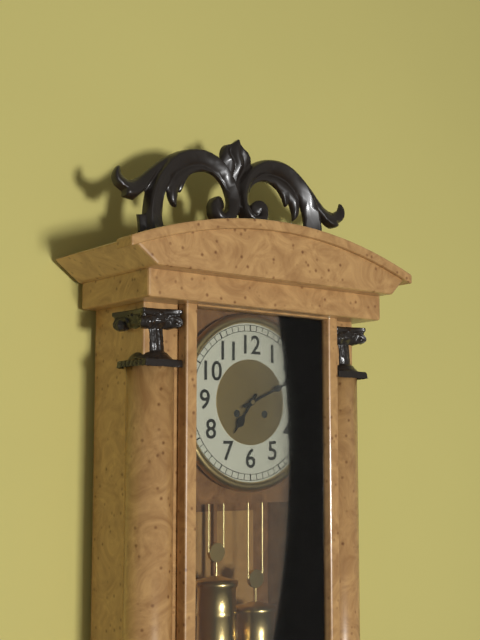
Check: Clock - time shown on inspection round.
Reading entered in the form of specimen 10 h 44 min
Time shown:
7 h 11 min
